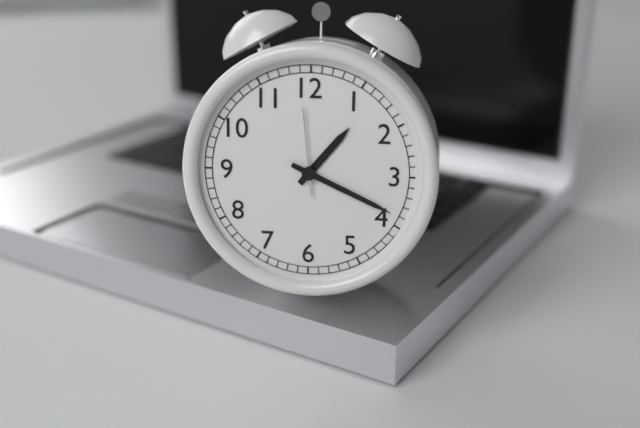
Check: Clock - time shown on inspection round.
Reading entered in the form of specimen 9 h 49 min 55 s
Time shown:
1 h 19 min 59 s
